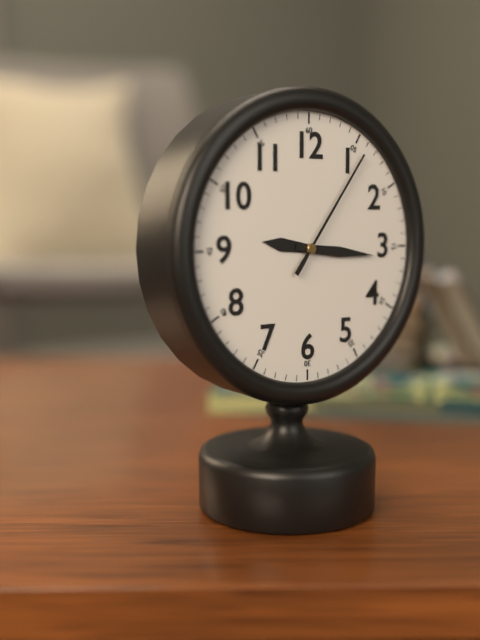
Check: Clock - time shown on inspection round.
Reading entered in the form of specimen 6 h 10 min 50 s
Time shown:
9 h 16 min 06 s
